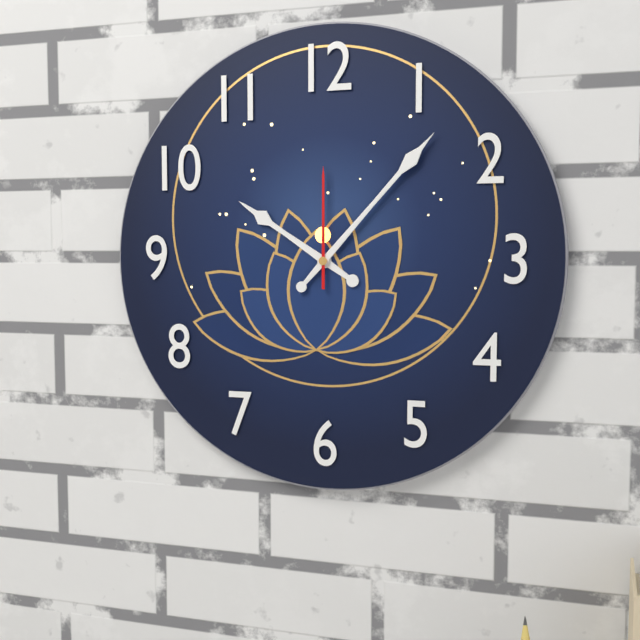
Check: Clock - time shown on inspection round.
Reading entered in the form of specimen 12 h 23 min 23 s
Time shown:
10 h 07 min 00 s
